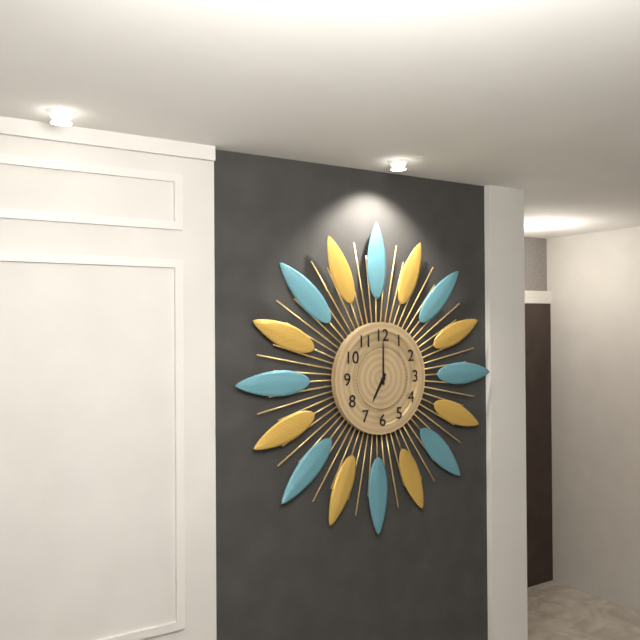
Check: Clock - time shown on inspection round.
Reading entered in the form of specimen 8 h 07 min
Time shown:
7 h 00 min
